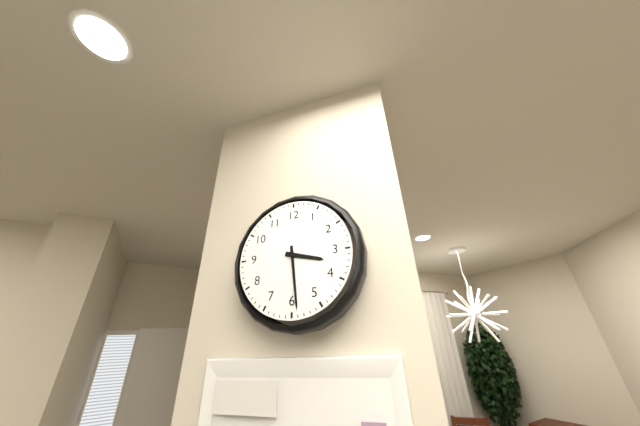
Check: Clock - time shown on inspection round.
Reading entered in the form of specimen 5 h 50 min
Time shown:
3 h 29 min
